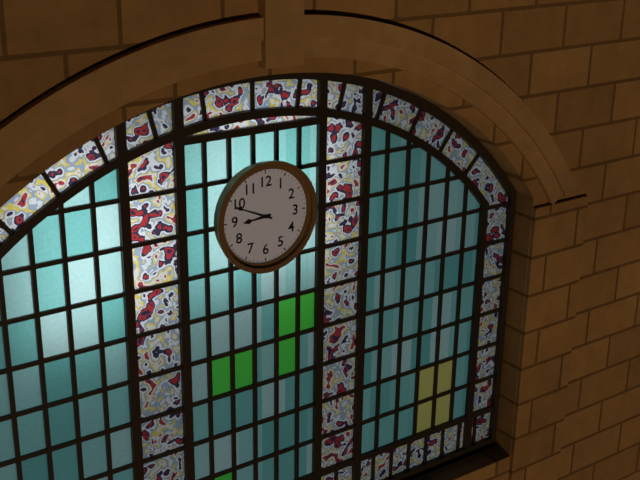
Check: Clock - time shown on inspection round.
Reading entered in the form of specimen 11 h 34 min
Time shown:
8 h 49 min
